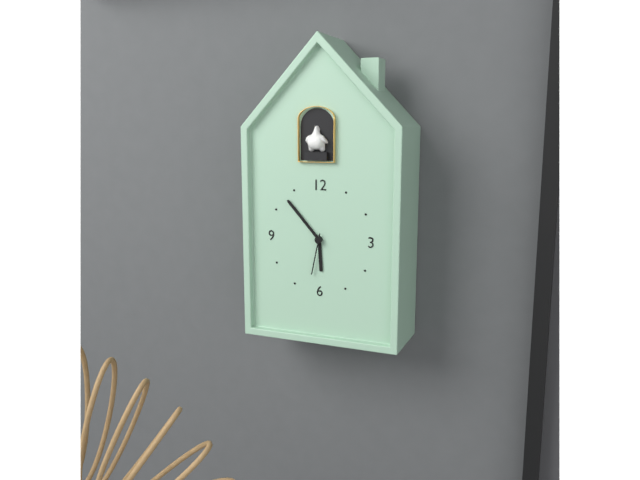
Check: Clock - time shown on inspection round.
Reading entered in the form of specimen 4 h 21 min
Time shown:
5 h 53 min
